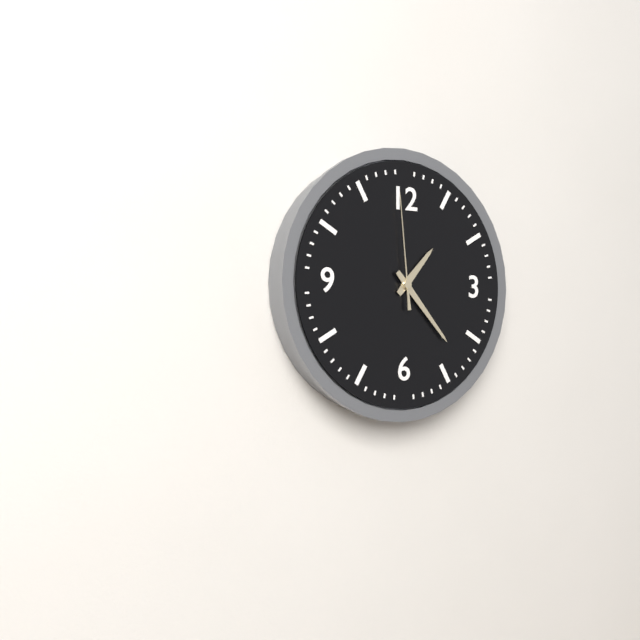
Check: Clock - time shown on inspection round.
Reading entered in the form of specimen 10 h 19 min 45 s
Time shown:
1 h 23 min 59 s
